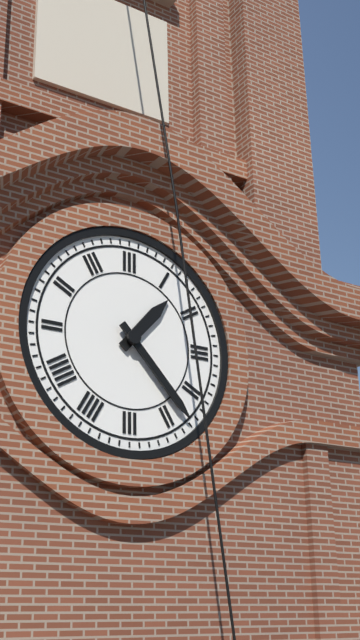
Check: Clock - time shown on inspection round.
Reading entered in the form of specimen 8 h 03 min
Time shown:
1 h 23 min
